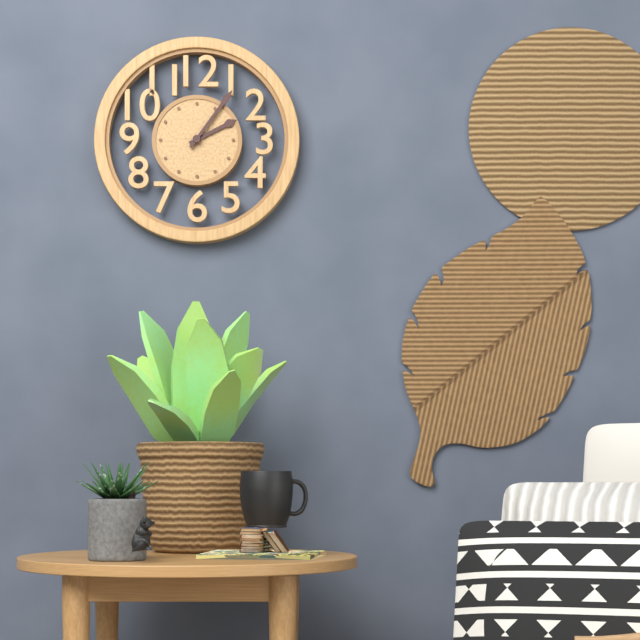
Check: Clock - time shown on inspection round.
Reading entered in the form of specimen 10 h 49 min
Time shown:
2 h 06 min
